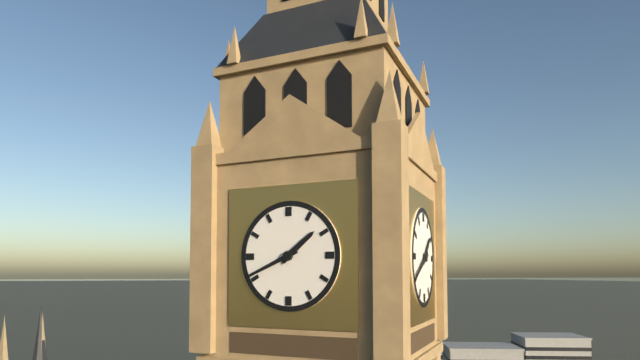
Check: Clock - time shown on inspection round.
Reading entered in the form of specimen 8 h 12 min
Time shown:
1 h 41 min
